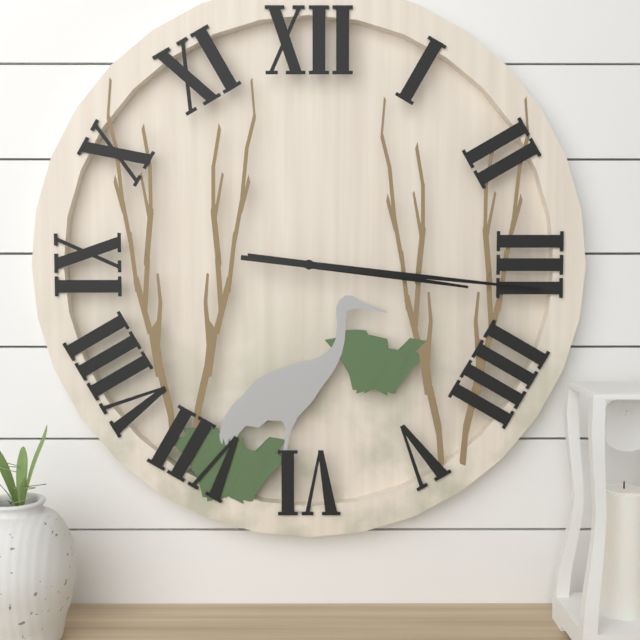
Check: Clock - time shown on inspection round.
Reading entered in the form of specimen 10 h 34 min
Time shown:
3 h 16 min
